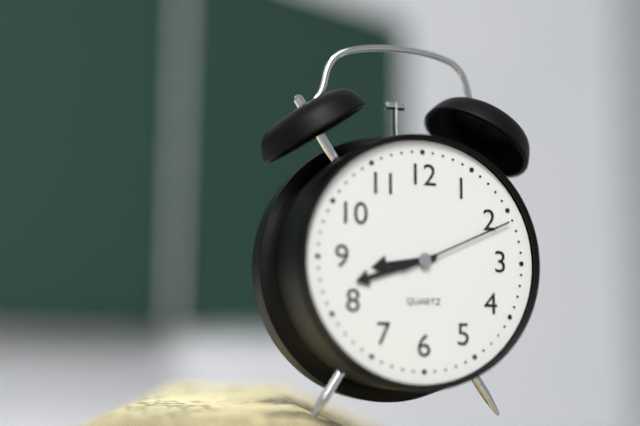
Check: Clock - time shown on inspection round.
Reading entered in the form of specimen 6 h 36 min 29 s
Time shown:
8 h 42 min 11 s
